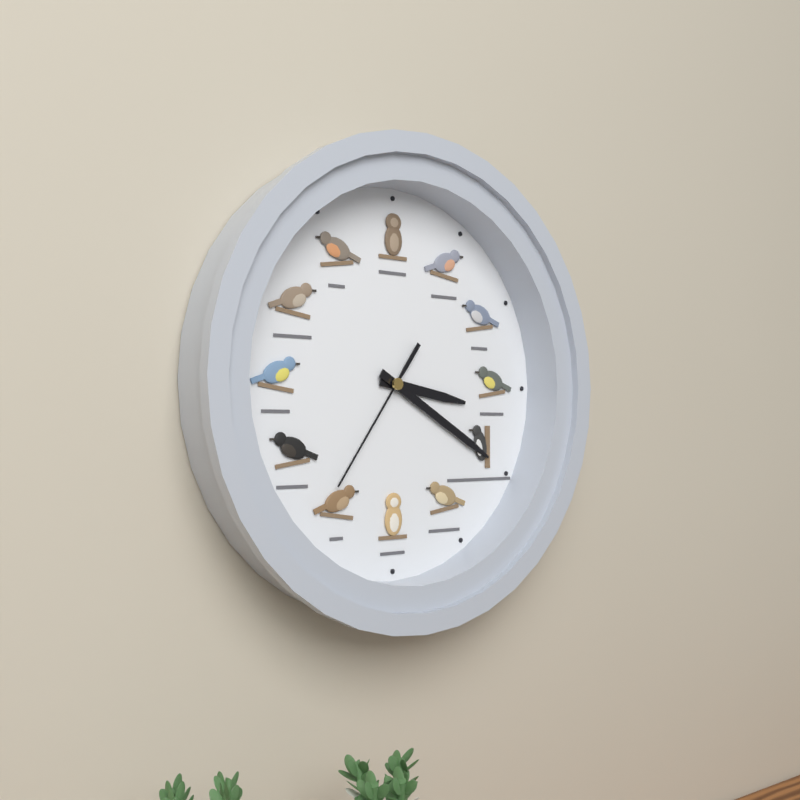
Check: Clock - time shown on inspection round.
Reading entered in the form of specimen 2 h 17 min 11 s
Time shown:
3 h 20 min 36 s
